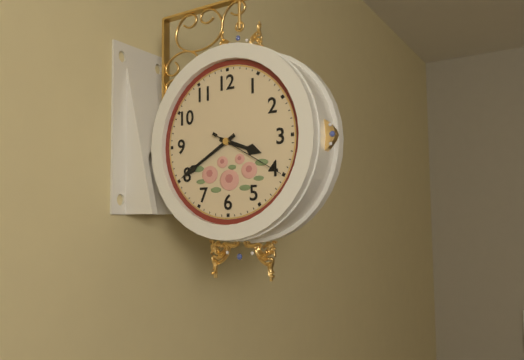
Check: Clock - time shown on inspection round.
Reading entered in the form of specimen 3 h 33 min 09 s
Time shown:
3 h 40 min 20 s
